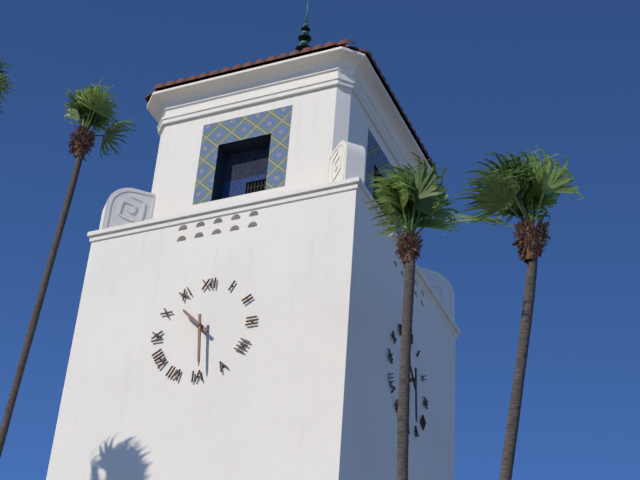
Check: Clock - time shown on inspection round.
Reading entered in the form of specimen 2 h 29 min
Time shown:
10 h 29 min
